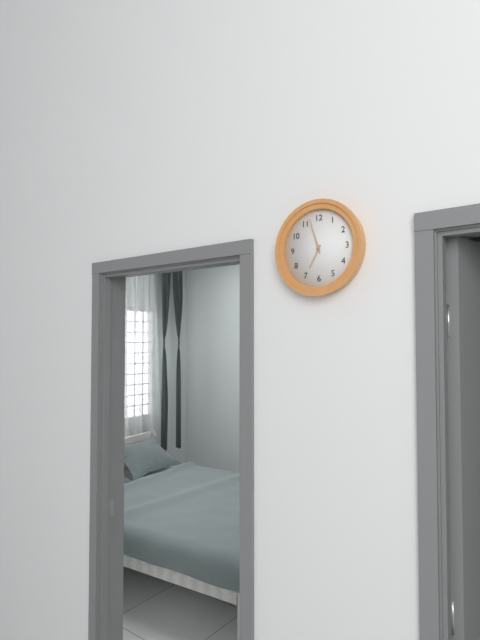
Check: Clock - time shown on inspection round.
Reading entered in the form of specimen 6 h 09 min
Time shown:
6 h 57 min
